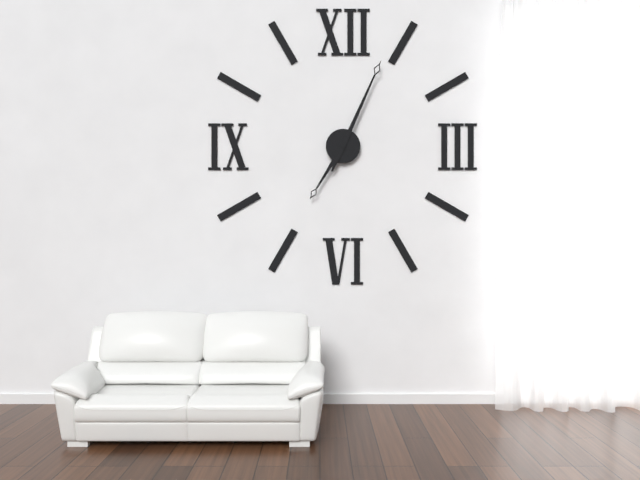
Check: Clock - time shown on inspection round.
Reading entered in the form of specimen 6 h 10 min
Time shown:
7 h 04 min
